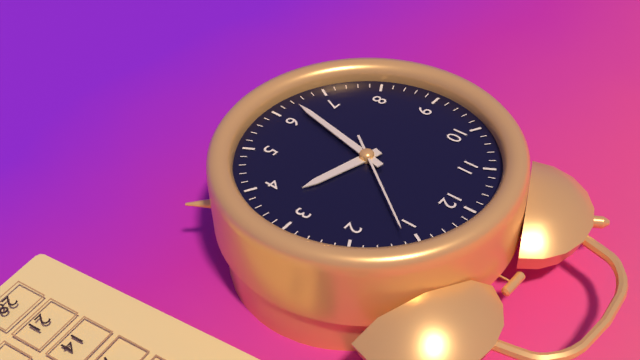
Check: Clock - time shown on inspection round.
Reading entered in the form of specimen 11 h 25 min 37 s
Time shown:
3 h 32 min 06 s
